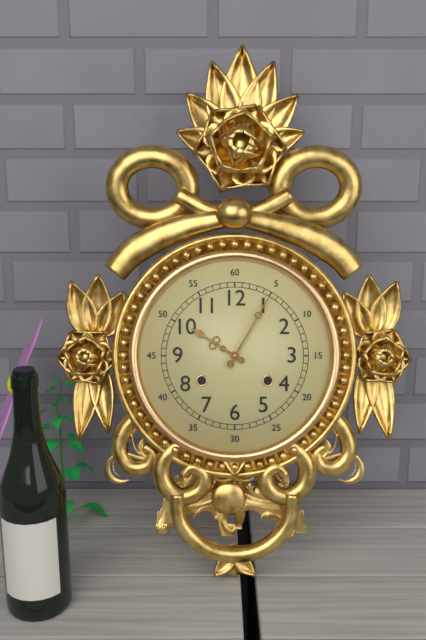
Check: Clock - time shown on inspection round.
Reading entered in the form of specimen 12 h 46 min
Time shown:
10 h 05 min
